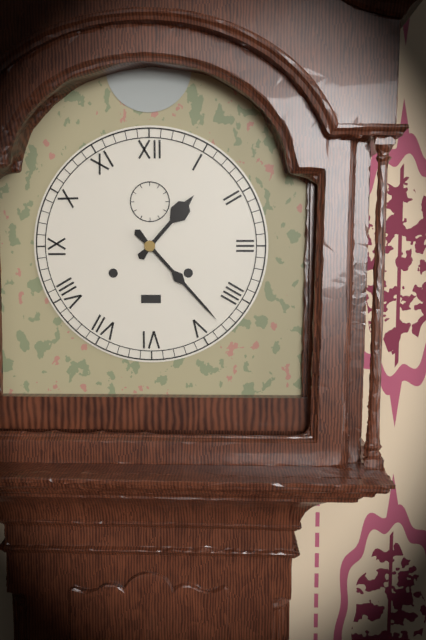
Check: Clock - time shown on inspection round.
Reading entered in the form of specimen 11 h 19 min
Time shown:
1 h 23 min
